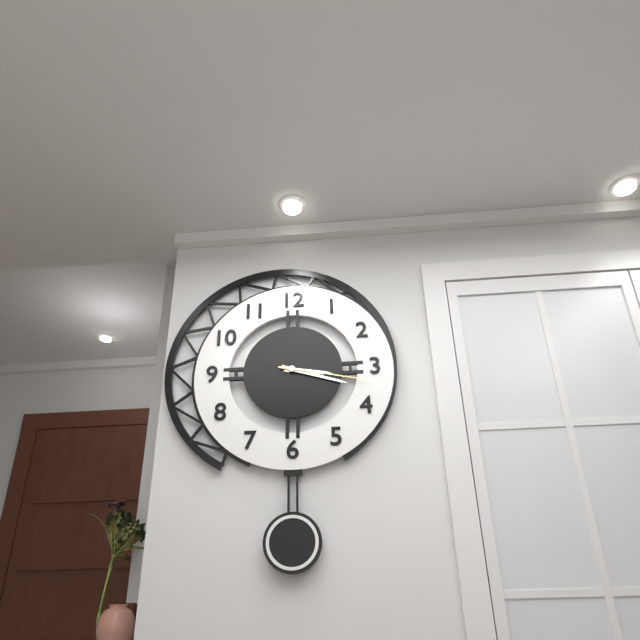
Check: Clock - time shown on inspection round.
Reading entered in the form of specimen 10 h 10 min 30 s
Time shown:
3 h 18 min 17 s
